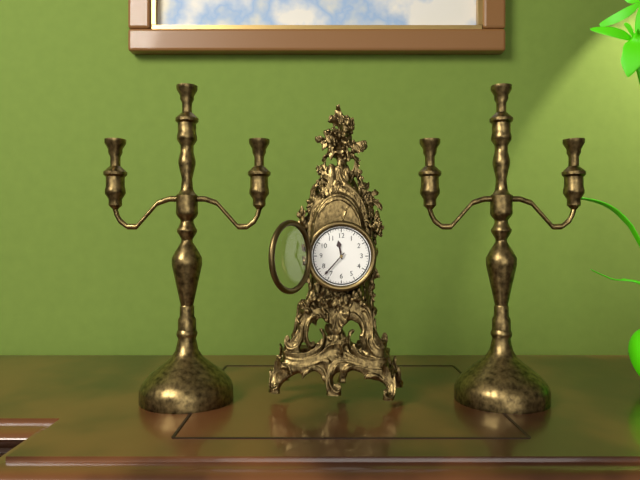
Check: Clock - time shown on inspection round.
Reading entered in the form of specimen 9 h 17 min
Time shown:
11 h 37 min
